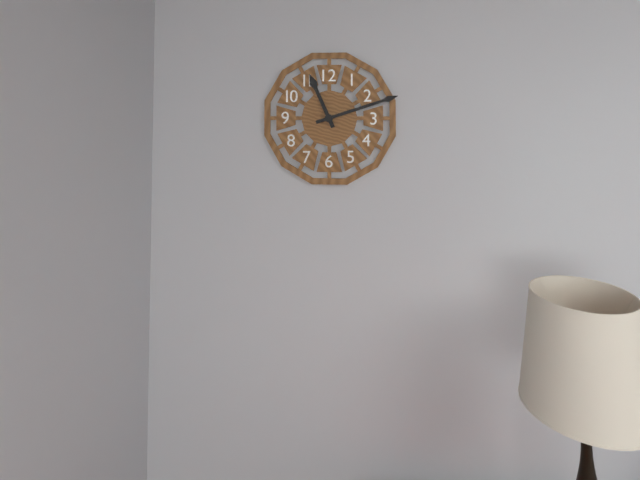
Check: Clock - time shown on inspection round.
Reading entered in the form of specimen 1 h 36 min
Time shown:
11 h 12 min
